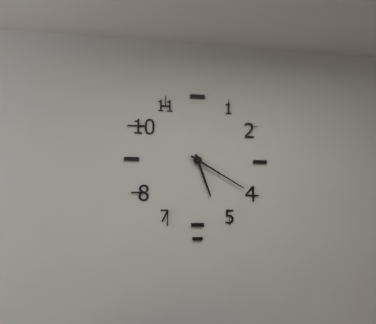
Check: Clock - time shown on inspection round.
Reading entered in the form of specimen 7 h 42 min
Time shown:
5 h 20 min
